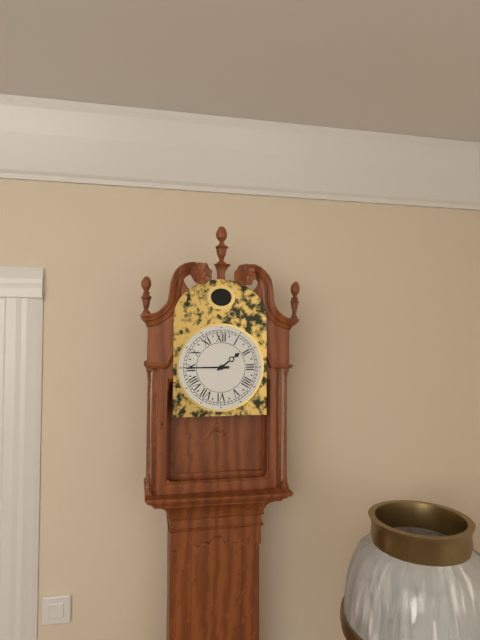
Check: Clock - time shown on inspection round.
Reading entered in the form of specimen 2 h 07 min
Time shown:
1 h 45 min
